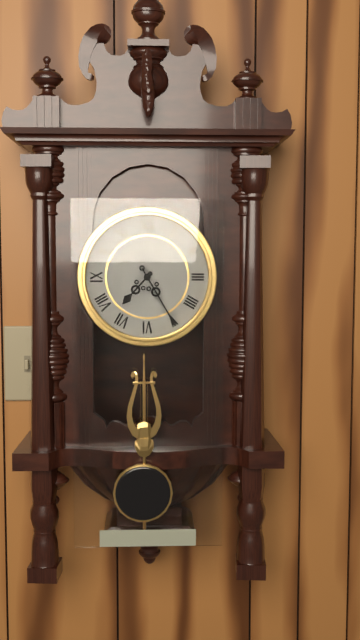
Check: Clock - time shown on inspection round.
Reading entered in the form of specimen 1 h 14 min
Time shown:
7 h 25 min
